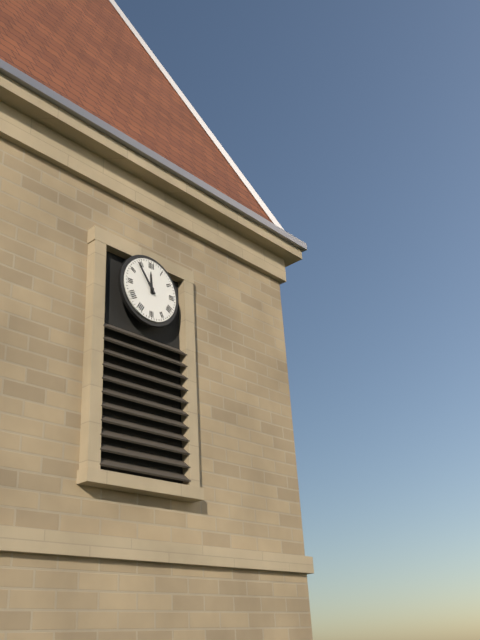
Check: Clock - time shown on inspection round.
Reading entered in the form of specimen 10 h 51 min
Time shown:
11 h 54 min
